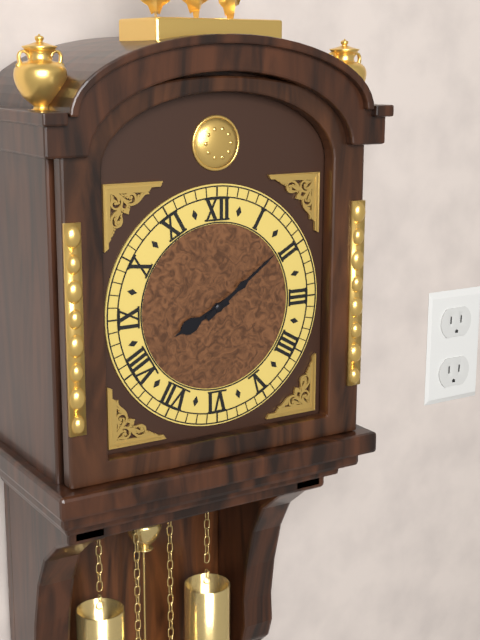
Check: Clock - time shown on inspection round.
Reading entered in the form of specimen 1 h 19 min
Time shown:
8 h 09 min
